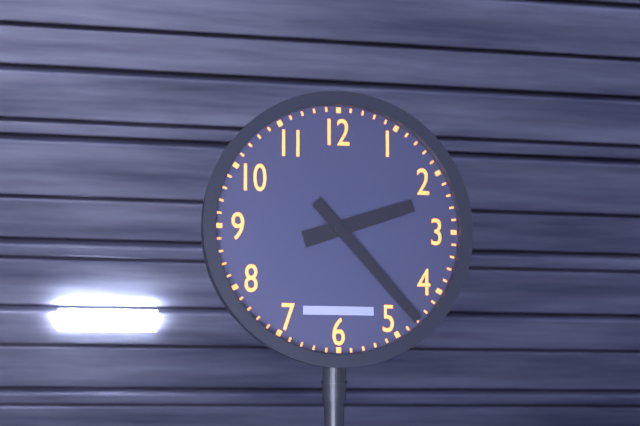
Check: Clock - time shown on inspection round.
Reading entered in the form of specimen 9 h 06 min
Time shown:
2 h 23 min
